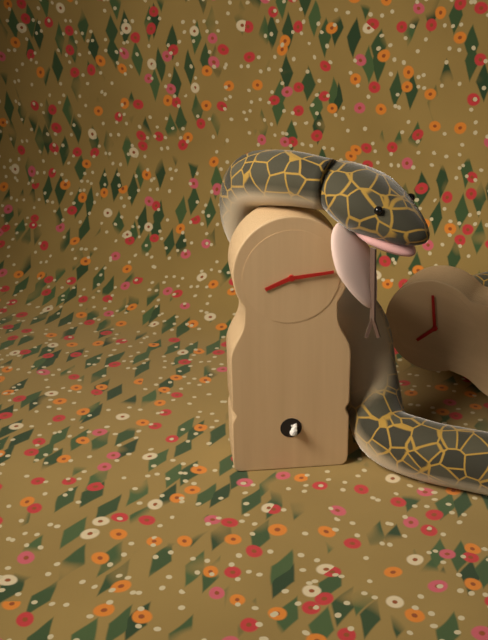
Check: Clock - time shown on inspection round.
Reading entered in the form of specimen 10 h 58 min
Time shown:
8 h 14 min
